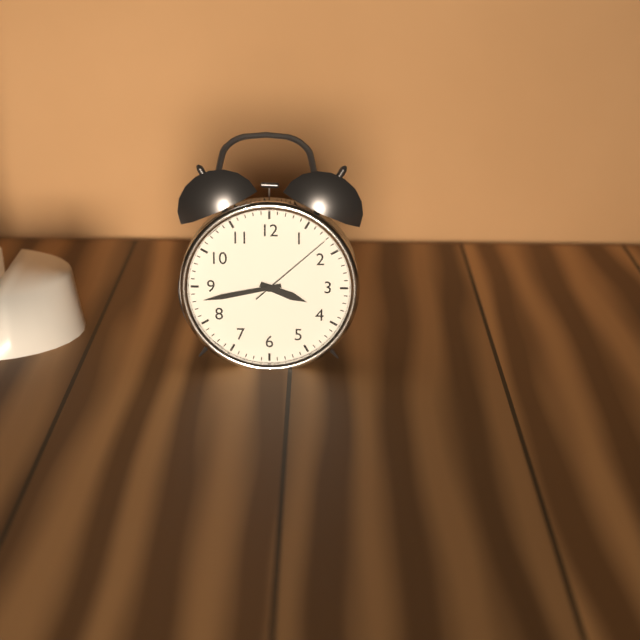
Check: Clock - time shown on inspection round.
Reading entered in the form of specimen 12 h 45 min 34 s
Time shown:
3 h 43 min 08 s
